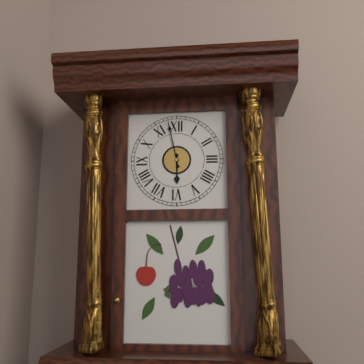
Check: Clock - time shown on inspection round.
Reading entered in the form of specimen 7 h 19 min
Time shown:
5 h 58 min
